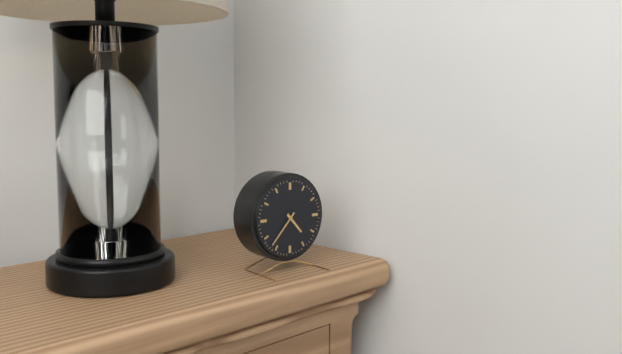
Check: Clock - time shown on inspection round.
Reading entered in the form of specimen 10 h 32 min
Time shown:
4 h 37 min
